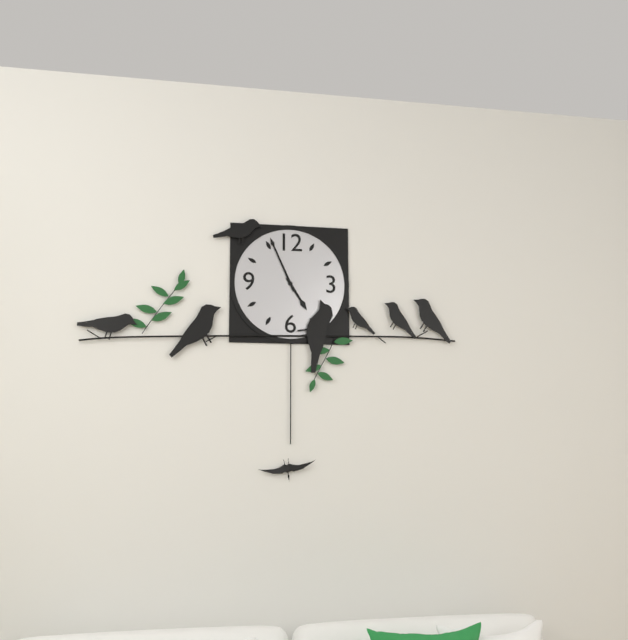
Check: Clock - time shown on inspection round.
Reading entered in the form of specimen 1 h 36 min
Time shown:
4 h 56 min
